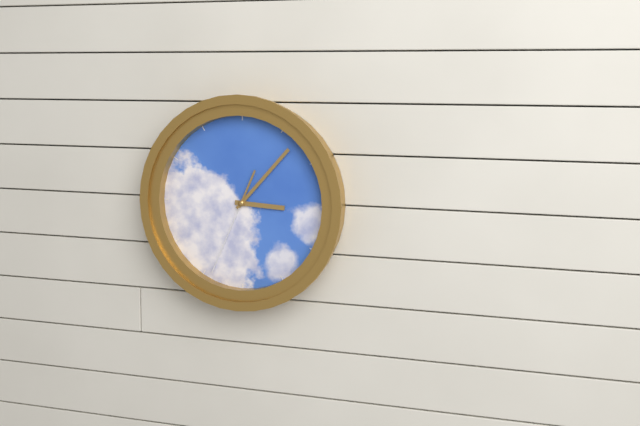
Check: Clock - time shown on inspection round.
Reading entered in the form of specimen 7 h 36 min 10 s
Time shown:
3 h 07 min 34 s
